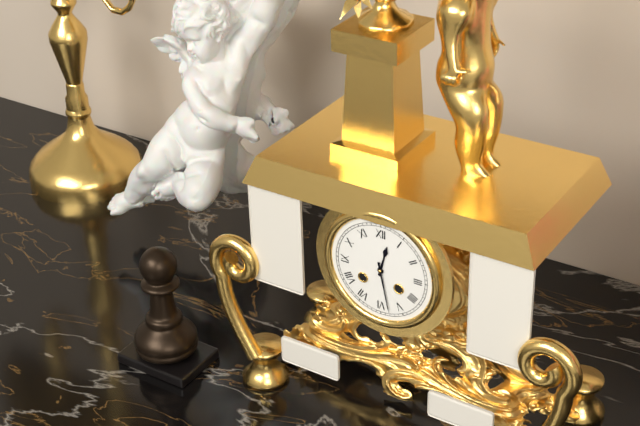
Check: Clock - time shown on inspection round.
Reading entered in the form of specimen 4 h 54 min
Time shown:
12 h 28 min
